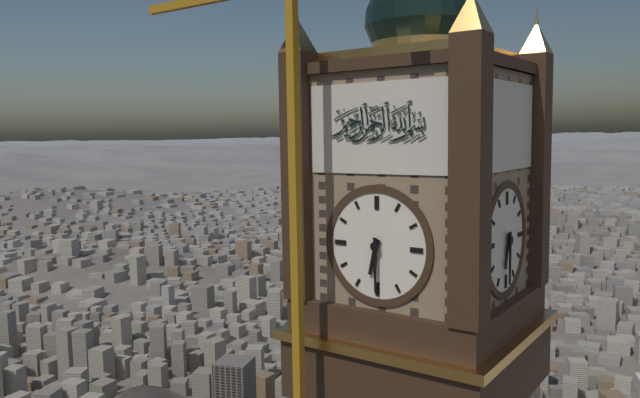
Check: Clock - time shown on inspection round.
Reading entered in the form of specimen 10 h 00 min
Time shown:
6 h 30 min
